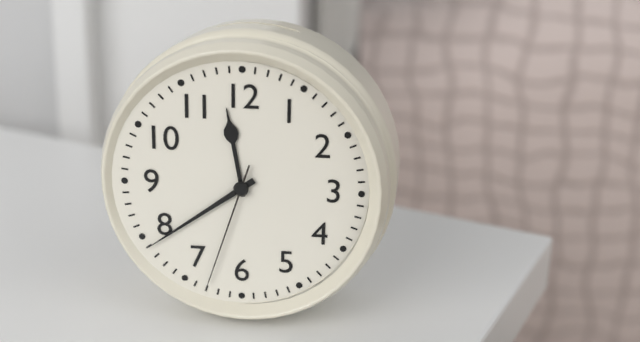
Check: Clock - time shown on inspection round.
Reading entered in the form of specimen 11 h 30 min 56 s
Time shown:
11 h 39 min 33 s
